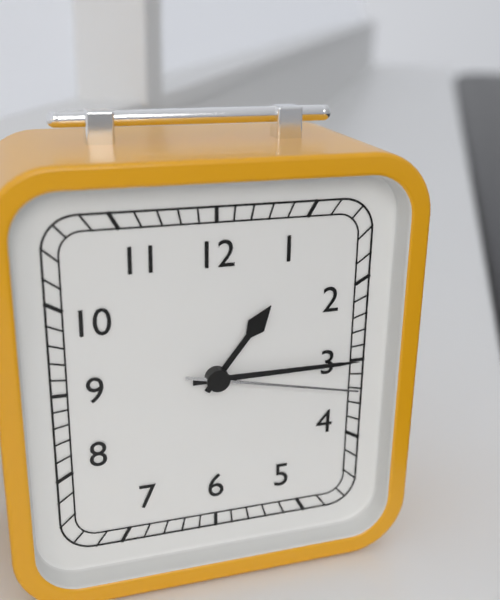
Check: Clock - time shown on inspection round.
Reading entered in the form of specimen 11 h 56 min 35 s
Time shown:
1 h 15 min 17 s
